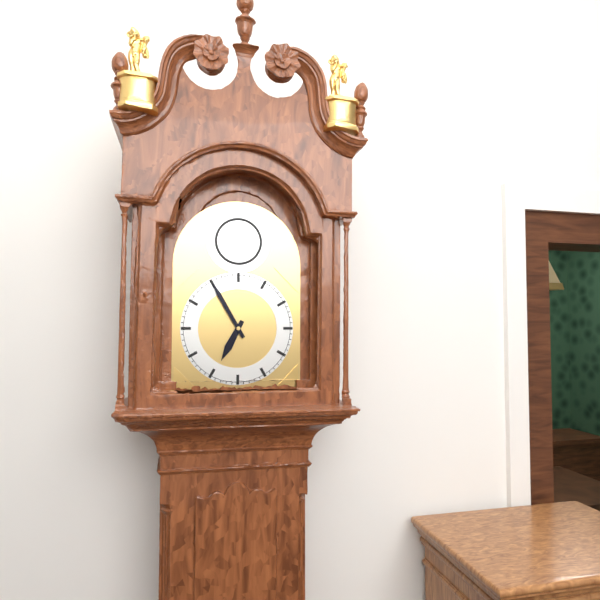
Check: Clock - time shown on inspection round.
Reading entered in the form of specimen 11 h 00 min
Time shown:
6 h 55 min
